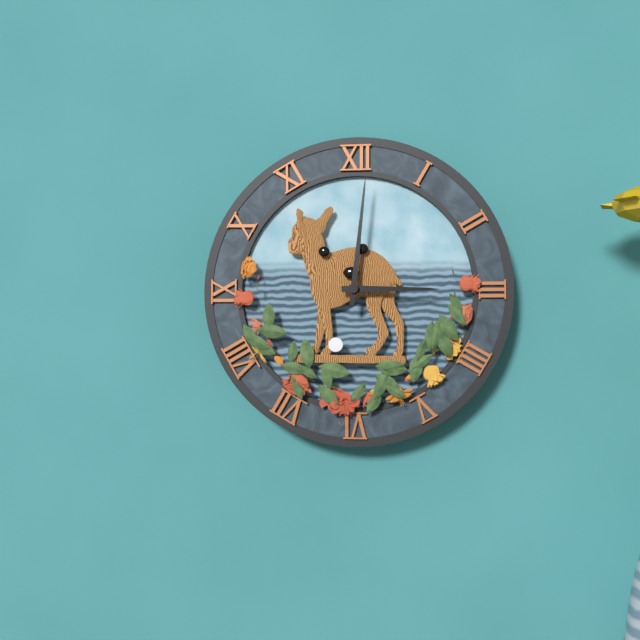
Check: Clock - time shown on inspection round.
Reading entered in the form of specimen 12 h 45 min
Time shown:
3 h 01 min
